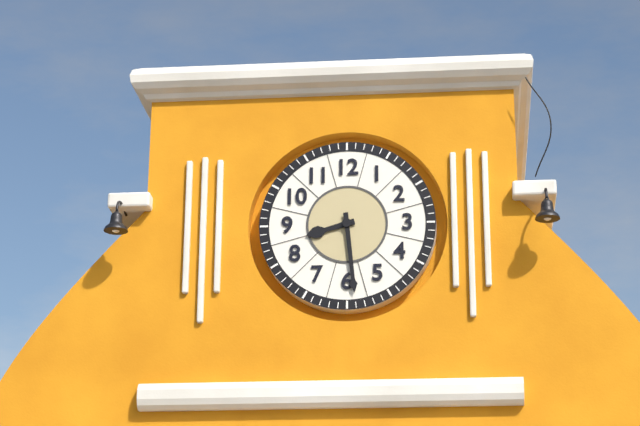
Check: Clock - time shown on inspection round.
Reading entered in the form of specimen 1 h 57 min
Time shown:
8 h 29 min
